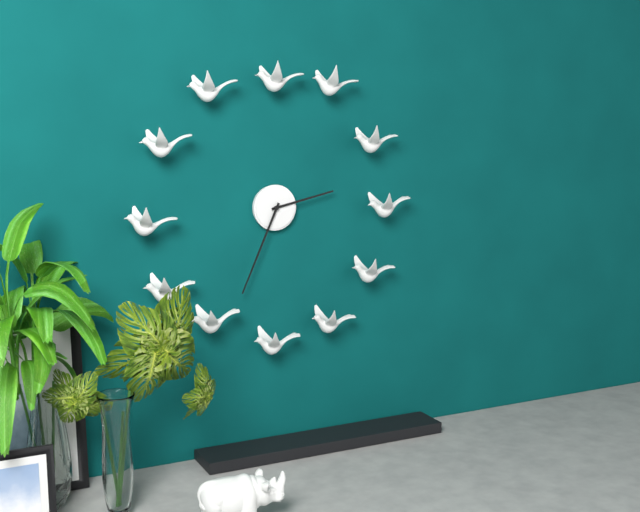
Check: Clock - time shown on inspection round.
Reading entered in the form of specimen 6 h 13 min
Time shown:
2 h 34 min
